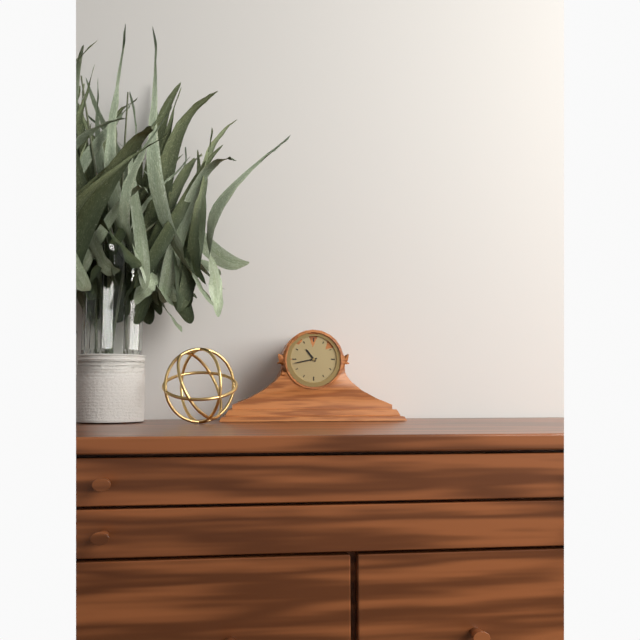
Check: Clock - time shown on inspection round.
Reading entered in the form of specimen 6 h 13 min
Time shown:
10 h 43 min
